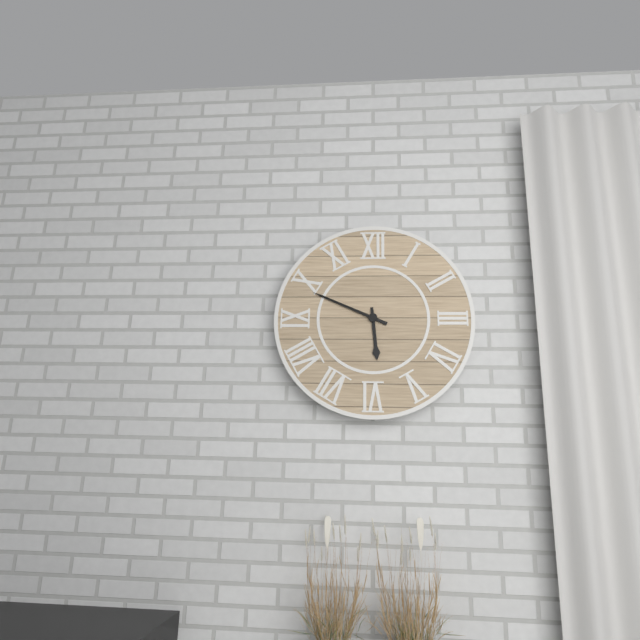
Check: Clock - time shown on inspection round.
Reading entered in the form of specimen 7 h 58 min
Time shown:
5 h 49 min
